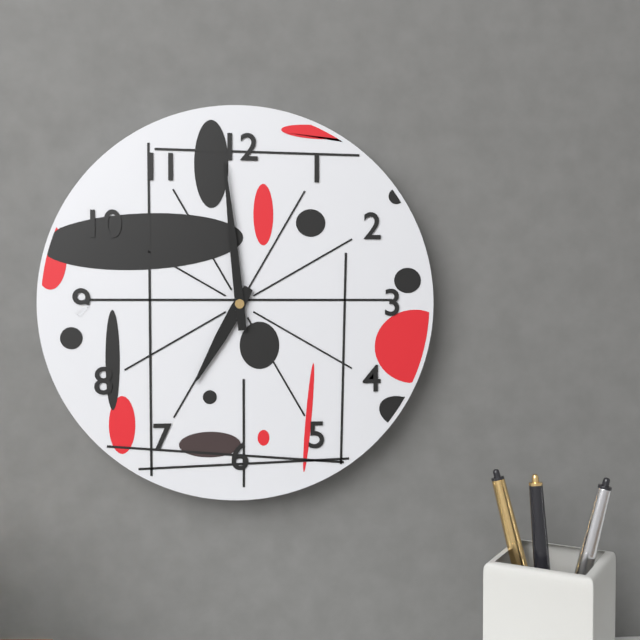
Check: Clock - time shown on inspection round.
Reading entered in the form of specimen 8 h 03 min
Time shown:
6 h 59 min
